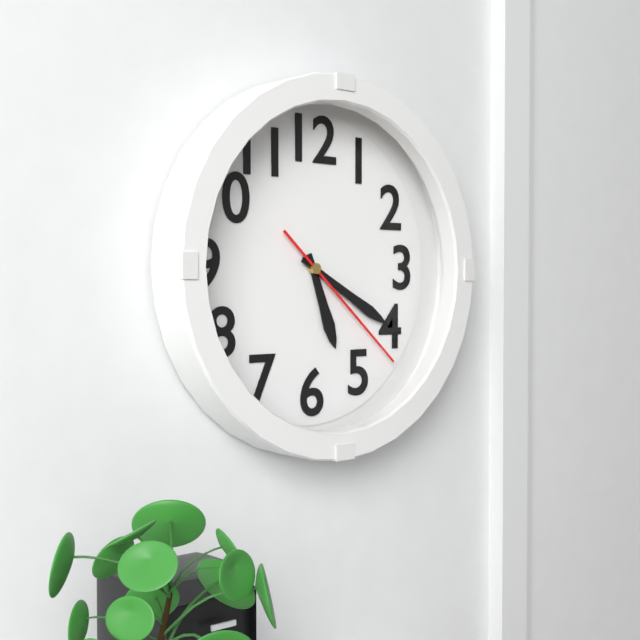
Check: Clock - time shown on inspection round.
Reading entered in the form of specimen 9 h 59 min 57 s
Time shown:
5 h 20 min 22 s
